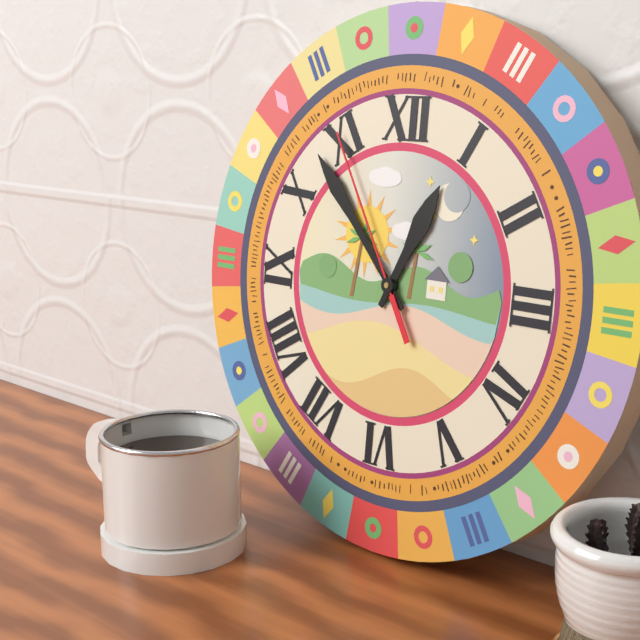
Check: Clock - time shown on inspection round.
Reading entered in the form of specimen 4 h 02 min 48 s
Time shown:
12 h 53 min 55 s
